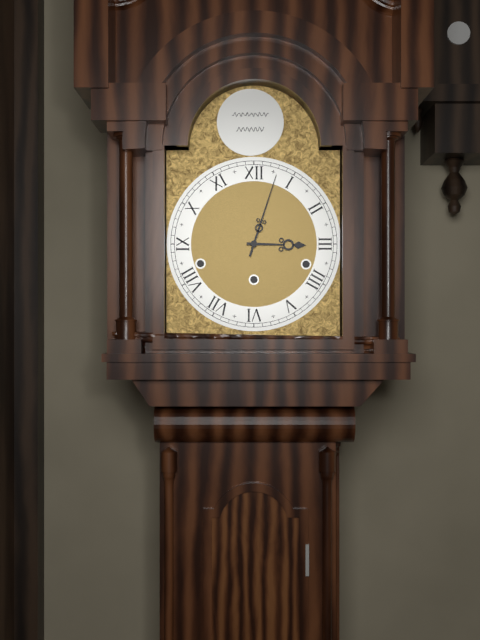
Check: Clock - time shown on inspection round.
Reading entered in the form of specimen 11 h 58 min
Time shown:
3 h 03 min
